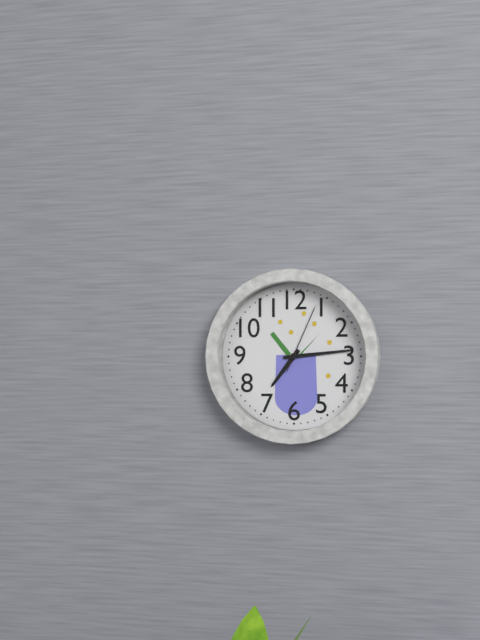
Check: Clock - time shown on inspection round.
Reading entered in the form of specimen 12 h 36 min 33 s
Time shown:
7 h 14 min 04 s
